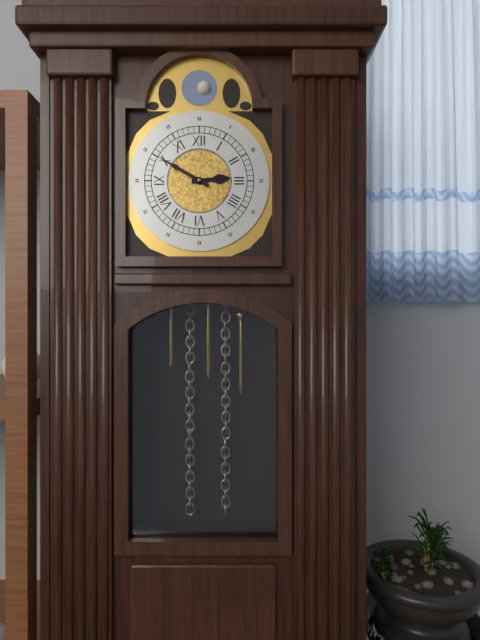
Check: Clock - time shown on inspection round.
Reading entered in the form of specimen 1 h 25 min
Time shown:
2 h 50 min
